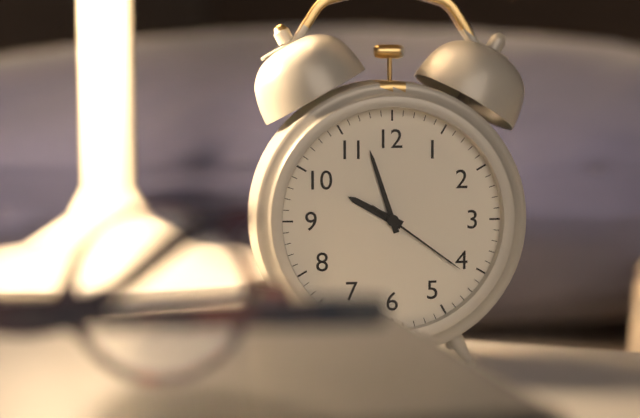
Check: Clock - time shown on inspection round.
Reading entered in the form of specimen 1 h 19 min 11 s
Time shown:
9 h 57 min 21 s
